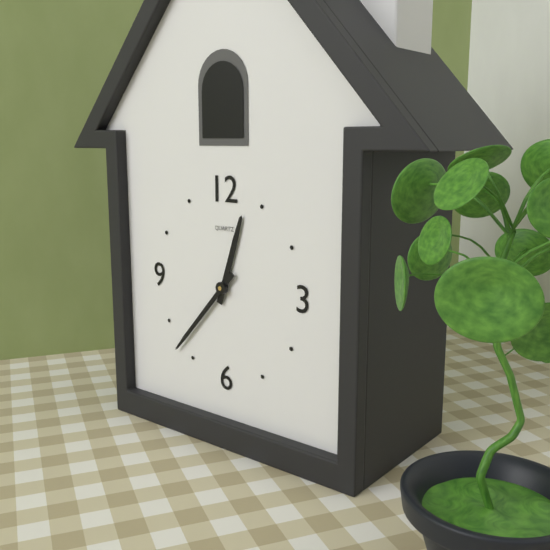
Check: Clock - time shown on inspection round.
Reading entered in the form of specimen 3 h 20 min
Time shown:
12 h 37 min
